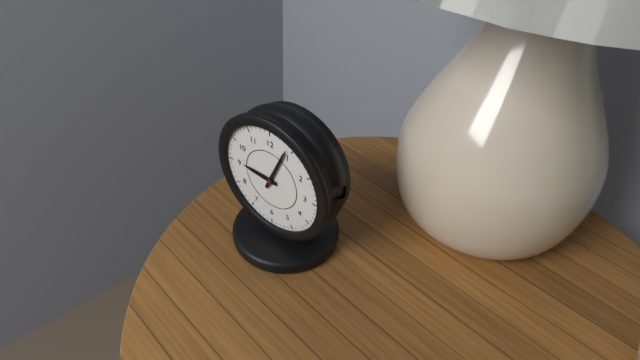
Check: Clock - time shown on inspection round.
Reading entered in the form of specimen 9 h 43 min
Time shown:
9 h 04 min
